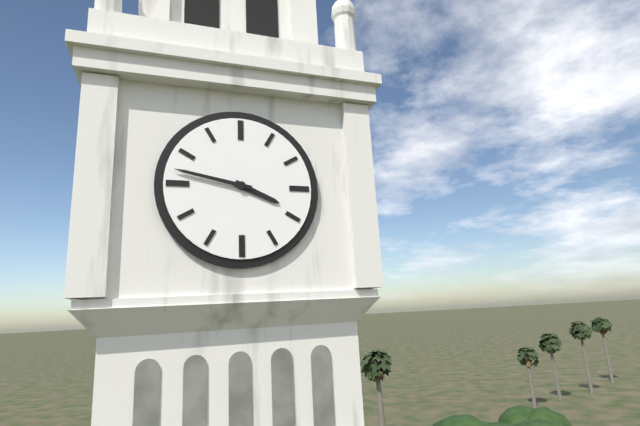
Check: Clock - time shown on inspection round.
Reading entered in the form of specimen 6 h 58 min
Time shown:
3 h 47 min
